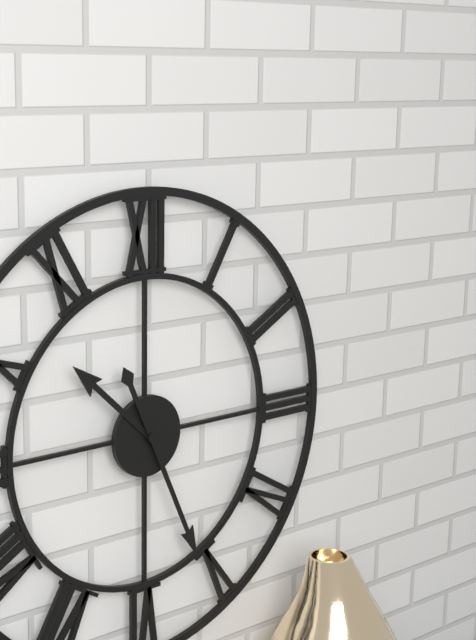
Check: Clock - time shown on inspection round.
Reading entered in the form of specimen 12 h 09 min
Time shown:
10 h 26 min
